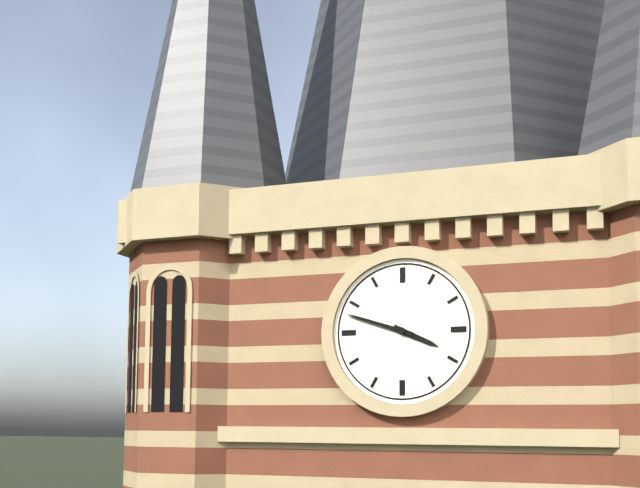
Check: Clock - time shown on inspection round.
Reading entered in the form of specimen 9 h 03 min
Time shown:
3 h 48 min
